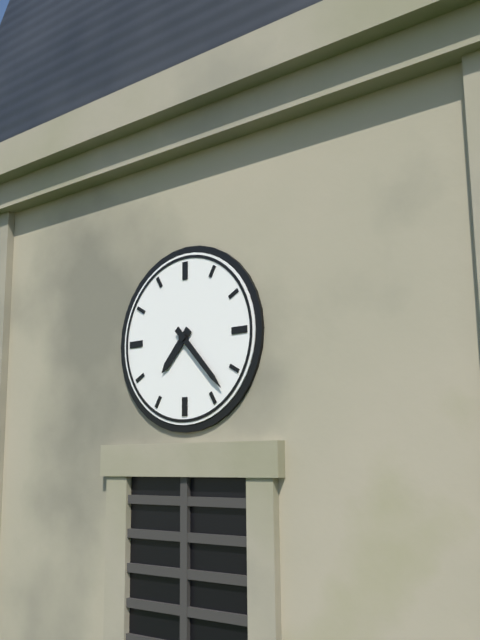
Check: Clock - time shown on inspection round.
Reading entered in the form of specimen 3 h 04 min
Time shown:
7 h 23 min
